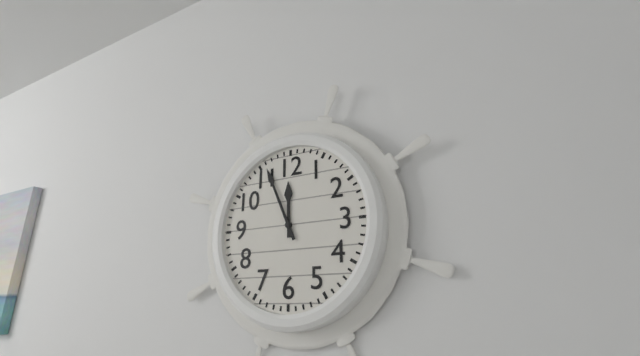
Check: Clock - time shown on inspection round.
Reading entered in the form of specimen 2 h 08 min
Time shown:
11 h 56 min
